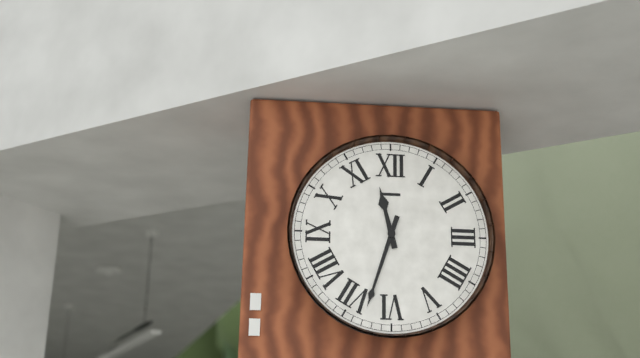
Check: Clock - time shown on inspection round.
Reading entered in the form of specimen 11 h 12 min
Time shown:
11 h 33 min
